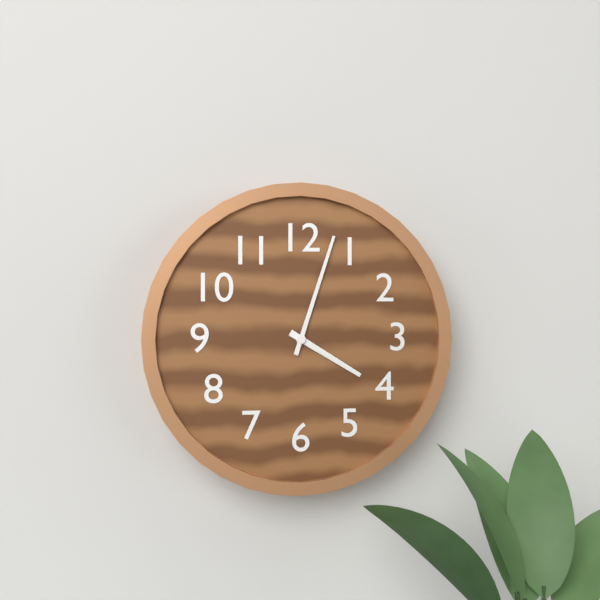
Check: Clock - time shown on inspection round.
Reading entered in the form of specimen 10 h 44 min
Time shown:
4 h 03 min
